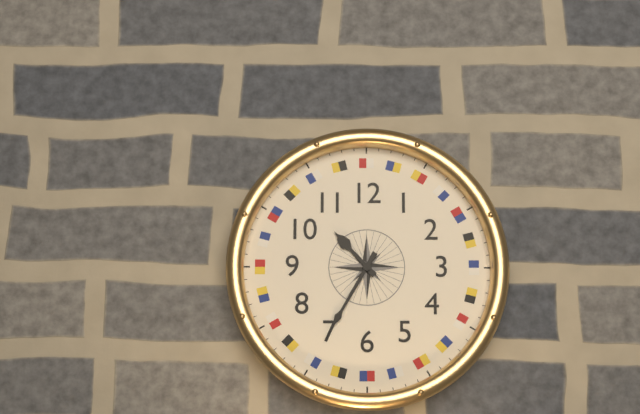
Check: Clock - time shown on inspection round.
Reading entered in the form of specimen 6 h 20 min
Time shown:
10 h 35 min
